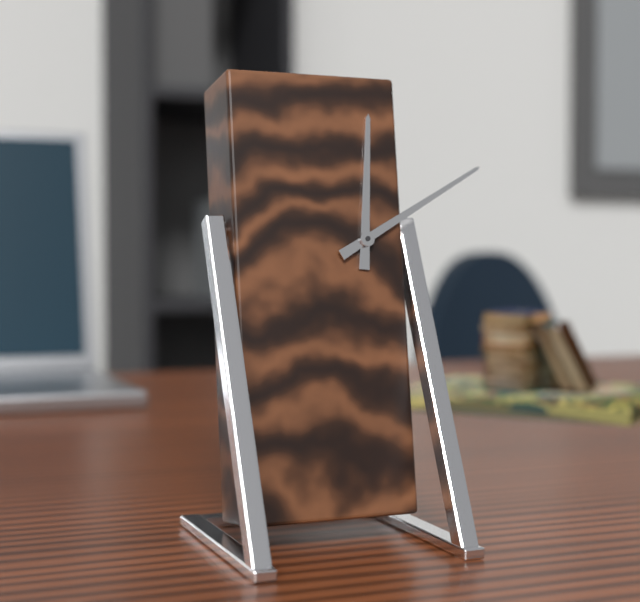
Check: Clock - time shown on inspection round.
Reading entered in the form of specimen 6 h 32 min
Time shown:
12 h 10 min
